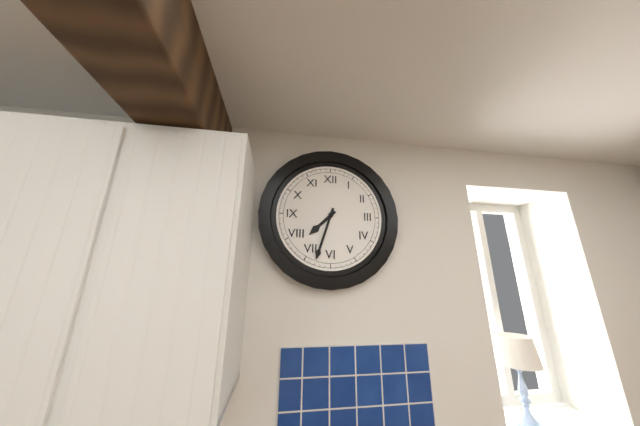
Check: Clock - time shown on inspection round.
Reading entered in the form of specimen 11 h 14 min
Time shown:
7 h 33 min
